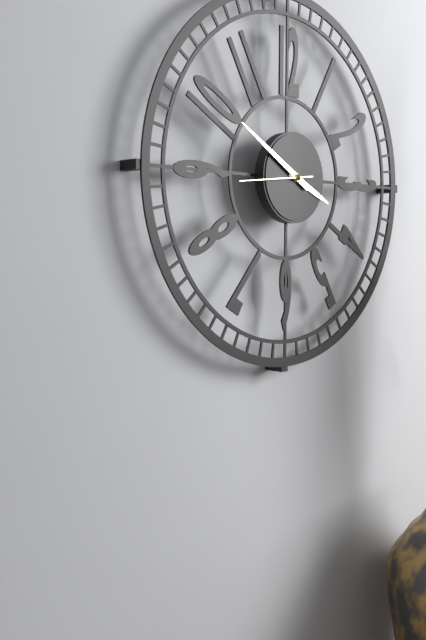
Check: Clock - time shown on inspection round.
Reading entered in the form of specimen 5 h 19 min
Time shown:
3 h 50 min
